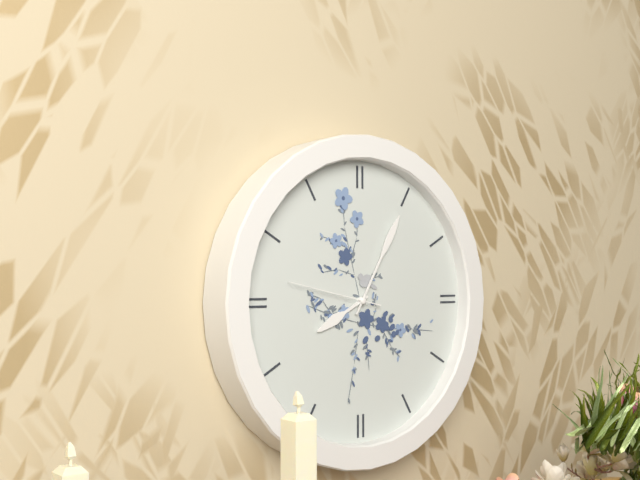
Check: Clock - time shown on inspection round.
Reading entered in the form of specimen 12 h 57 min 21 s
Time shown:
8 h 05 min 47 s
